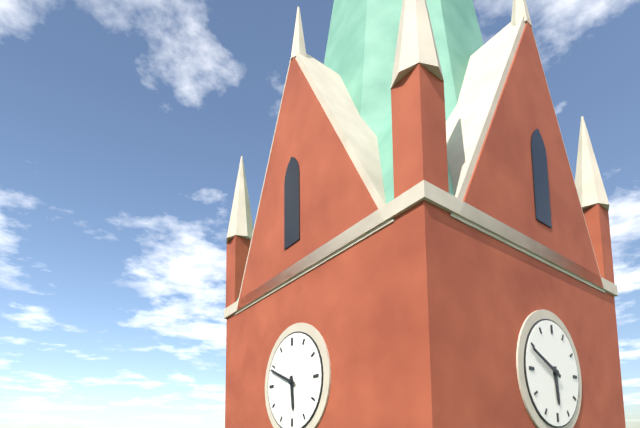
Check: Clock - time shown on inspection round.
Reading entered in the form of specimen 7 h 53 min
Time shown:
5 h 49 min
